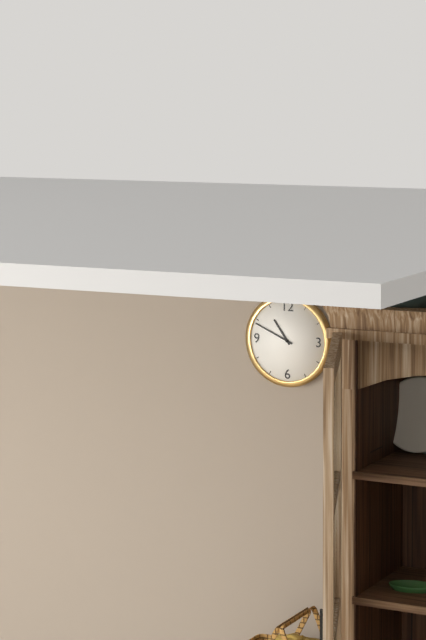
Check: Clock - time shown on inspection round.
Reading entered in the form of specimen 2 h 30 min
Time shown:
10 h 49 min
